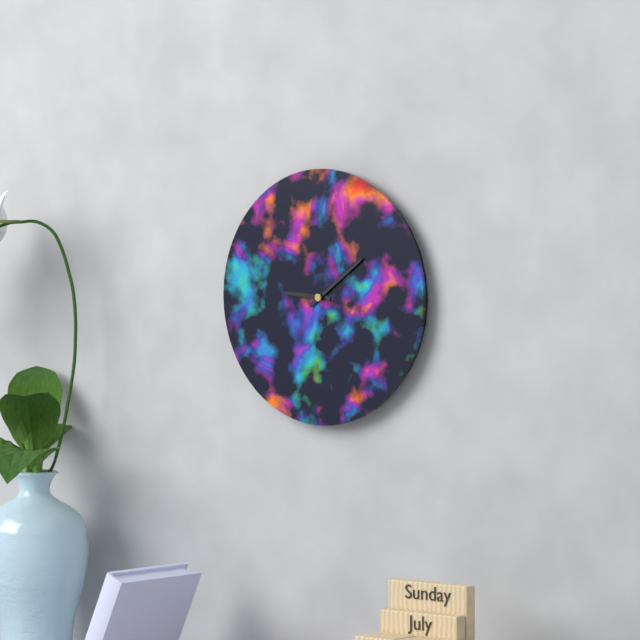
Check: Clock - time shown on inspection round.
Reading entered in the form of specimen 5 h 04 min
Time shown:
9 h 09 min
